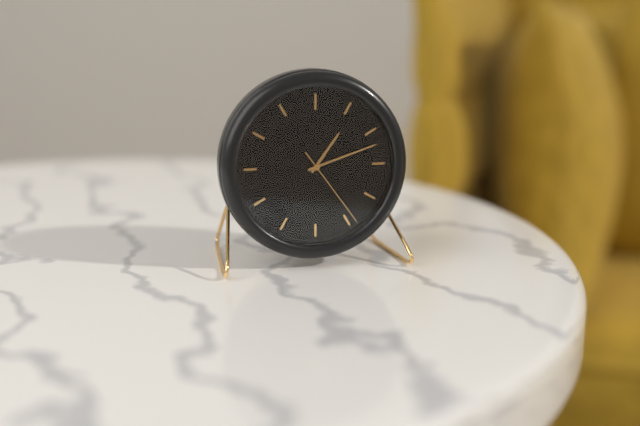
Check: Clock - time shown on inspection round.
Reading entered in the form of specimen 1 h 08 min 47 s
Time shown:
1 h 12 min 24 s
